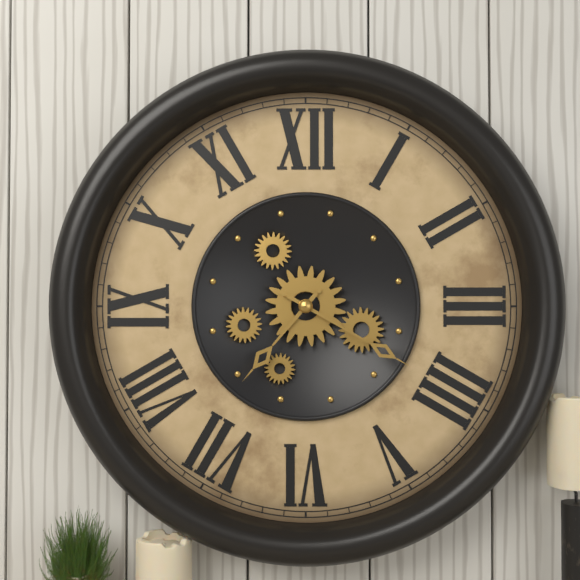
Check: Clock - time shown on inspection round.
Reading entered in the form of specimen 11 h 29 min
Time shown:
7 h 20 min
